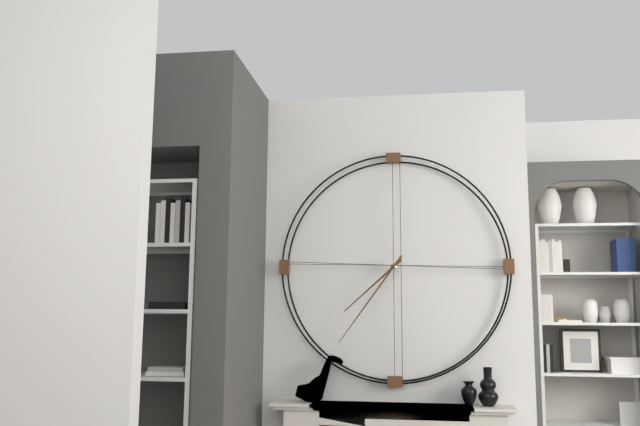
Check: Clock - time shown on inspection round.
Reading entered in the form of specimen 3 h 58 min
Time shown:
7 h 36 min
